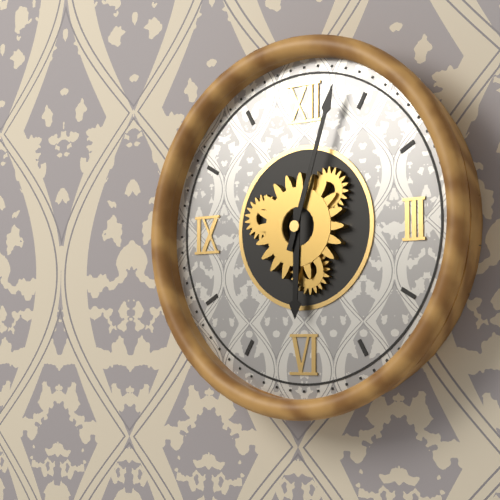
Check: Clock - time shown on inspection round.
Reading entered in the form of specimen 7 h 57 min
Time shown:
6 h 03 min
